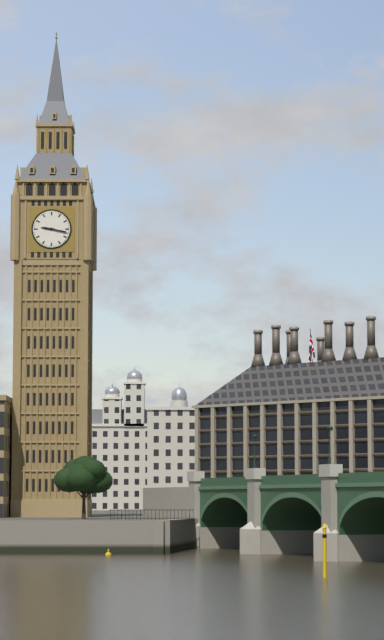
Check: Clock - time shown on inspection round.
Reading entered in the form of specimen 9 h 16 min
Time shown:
9 h 17 min
